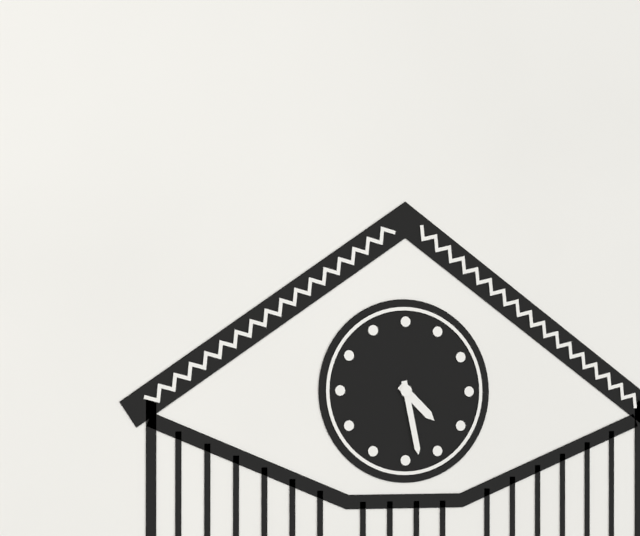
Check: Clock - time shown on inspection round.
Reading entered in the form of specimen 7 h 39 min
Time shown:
4 h 28 min
